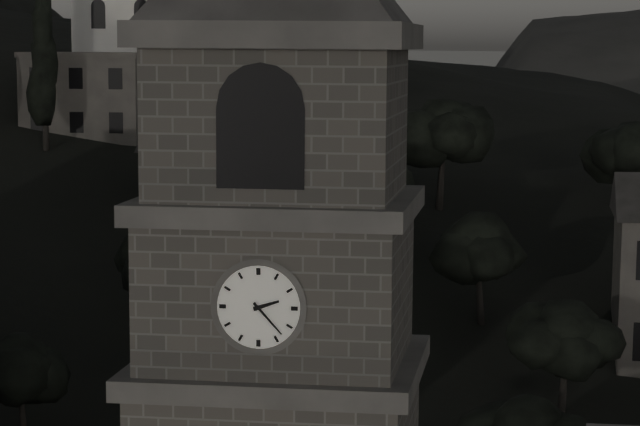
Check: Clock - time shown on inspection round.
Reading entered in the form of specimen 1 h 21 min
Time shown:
2 h 23 min
